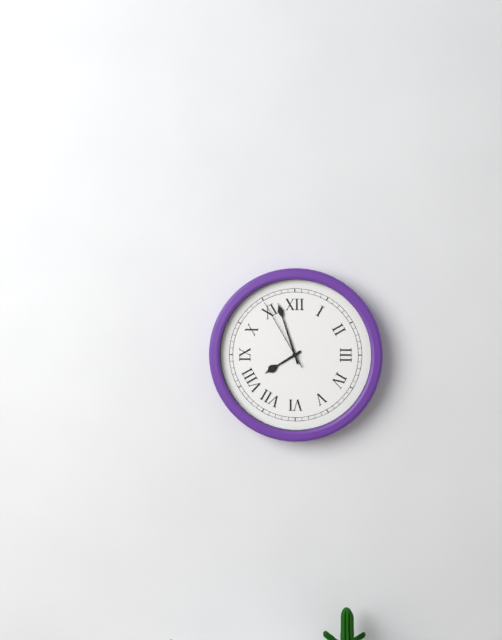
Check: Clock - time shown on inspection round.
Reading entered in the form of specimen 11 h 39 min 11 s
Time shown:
7 h 57 min 55 s
